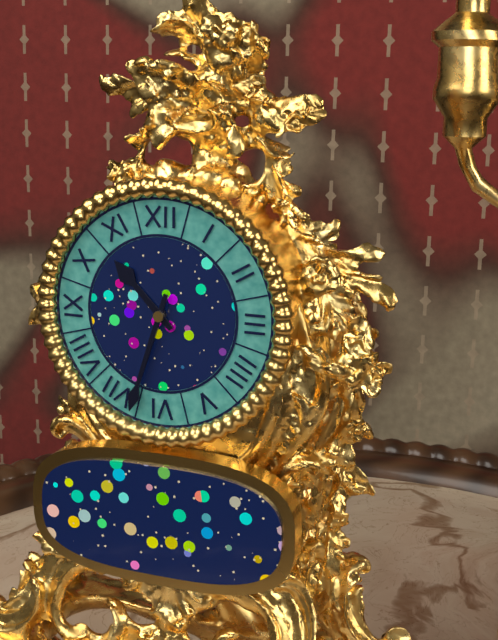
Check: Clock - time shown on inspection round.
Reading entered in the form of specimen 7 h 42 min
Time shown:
10 h 33 min
